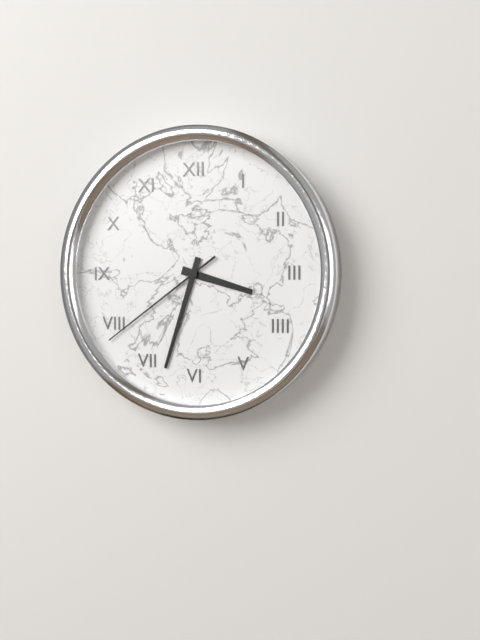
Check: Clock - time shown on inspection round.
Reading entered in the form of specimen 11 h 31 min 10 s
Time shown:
3 h 33 min 39 s
